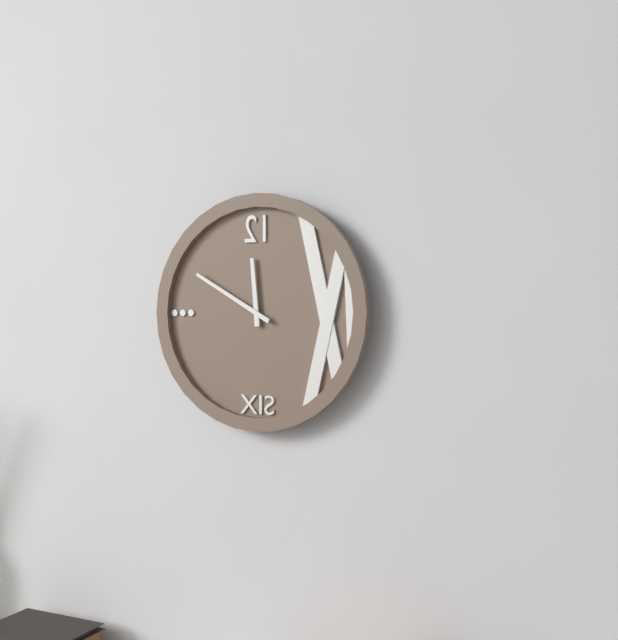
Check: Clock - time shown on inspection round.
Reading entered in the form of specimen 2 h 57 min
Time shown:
11 h 50 min
